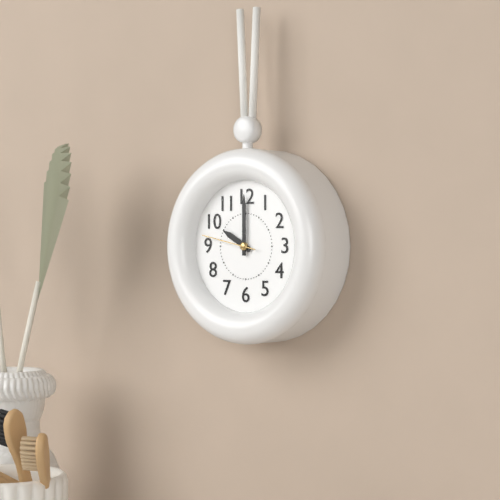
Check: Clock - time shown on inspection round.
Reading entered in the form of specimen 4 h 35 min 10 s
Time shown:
10 h 00 min 47 s
